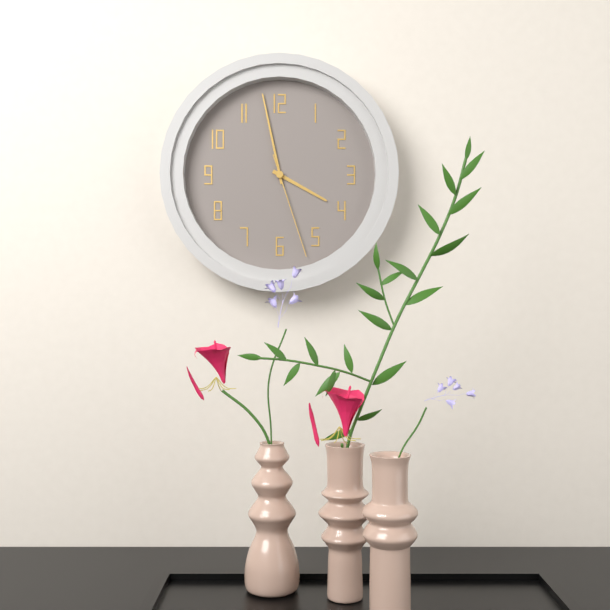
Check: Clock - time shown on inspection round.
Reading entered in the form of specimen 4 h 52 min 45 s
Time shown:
3 h 58 min 27 s
